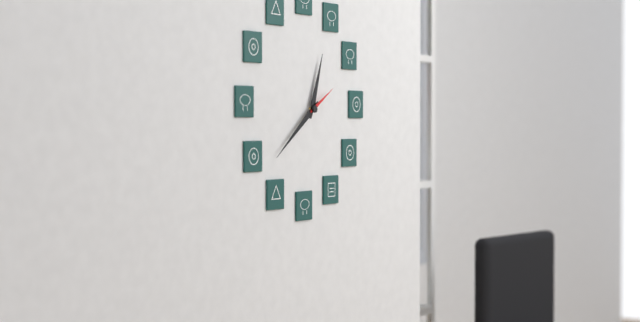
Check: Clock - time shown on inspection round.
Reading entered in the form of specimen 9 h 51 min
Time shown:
12 h 39 min
